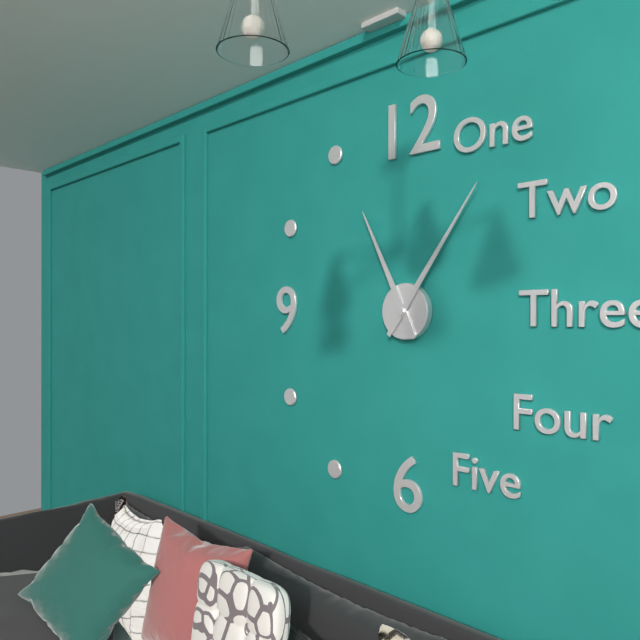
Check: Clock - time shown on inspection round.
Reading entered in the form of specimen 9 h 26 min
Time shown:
11 h 06 min
